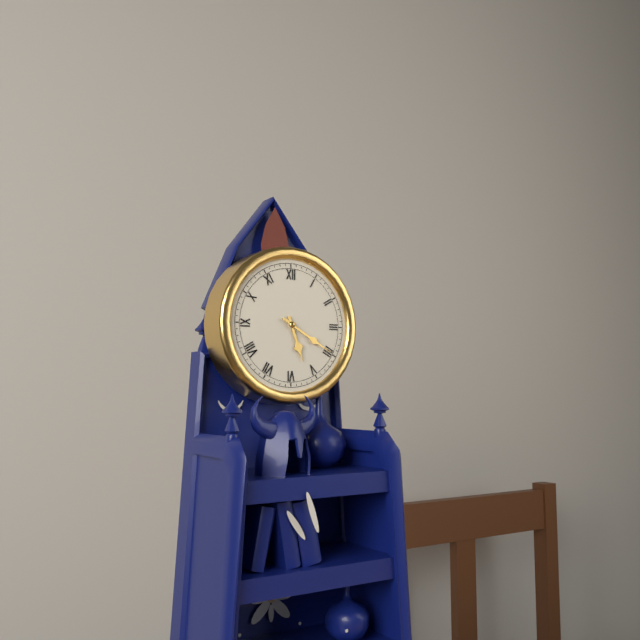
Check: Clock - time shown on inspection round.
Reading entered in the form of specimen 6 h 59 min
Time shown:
5 h 20 min
